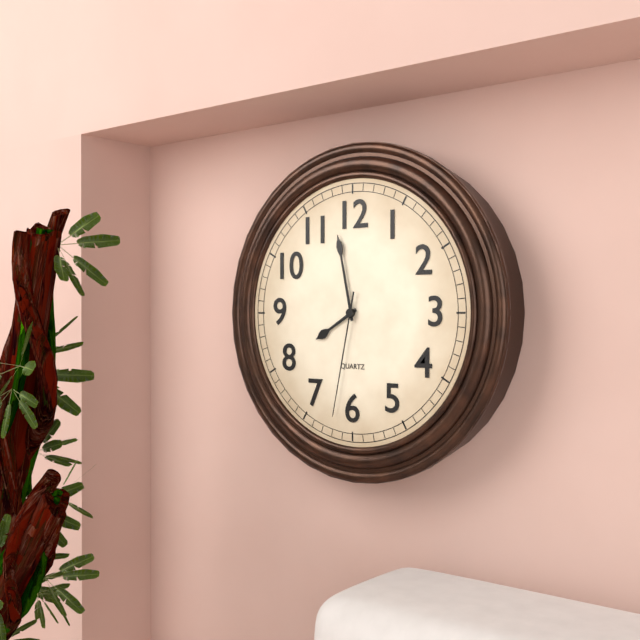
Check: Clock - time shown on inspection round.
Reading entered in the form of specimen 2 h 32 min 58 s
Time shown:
7 h 58 min 32 s
